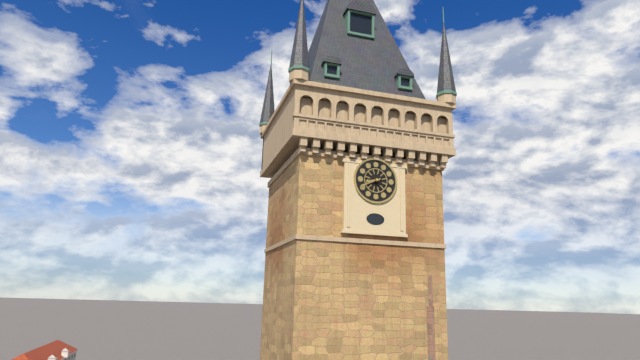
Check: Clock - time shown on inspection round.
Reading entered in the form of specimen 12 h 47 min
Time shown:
8 h 41 min
